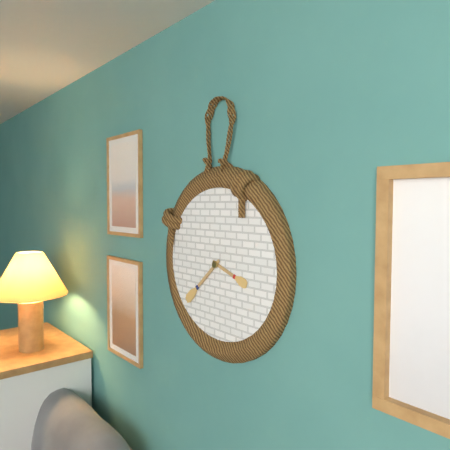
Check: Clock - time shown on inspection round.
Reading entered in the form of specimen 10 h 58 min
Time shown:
3 h 38 min
